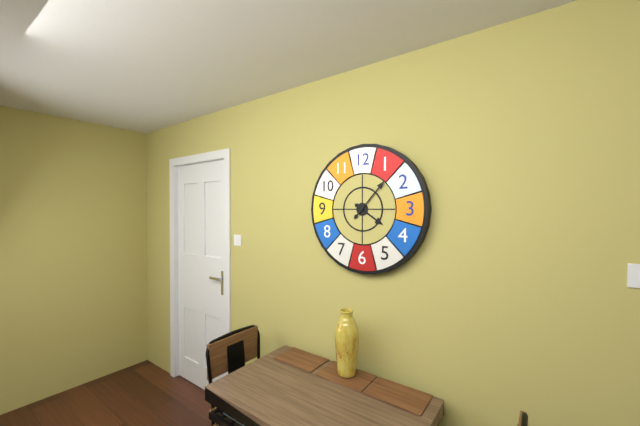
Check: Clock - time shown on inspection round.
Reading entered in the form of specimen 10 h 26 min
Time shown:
4 h 07 min
